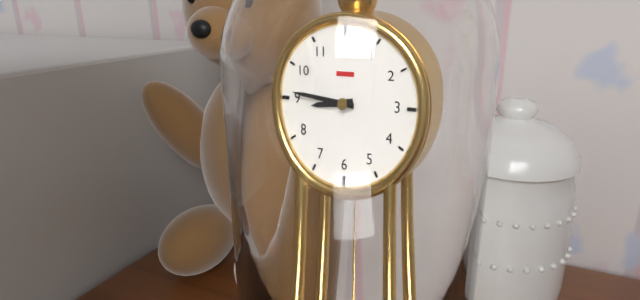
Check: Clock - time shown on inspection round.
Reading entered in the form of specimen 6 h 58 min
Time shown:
8 h 46 min
